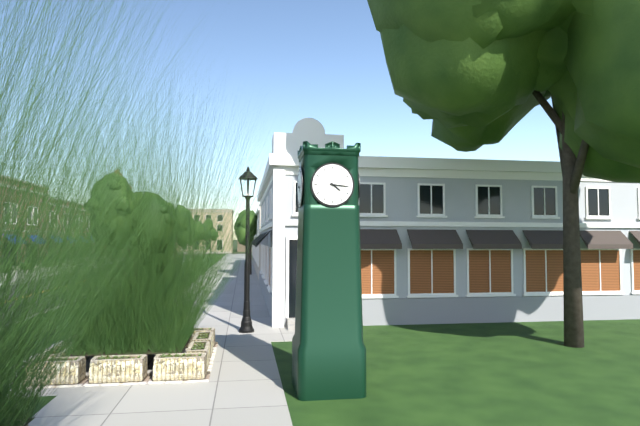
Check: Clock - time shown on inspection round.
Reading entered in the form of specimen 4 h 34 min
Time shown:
4 h 16 min
